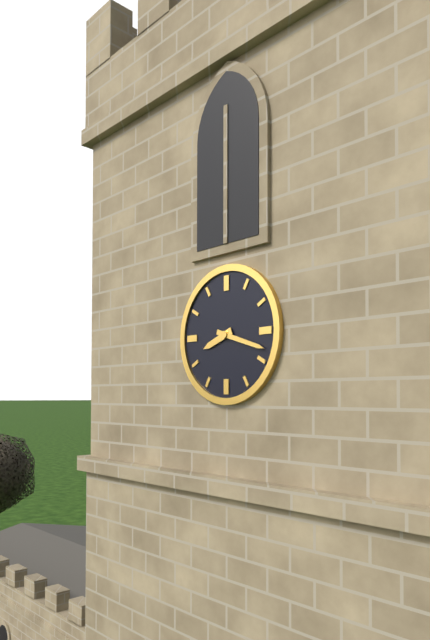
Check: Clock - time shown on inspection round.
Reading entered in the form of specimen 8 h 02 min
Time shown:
8 h 18 min
